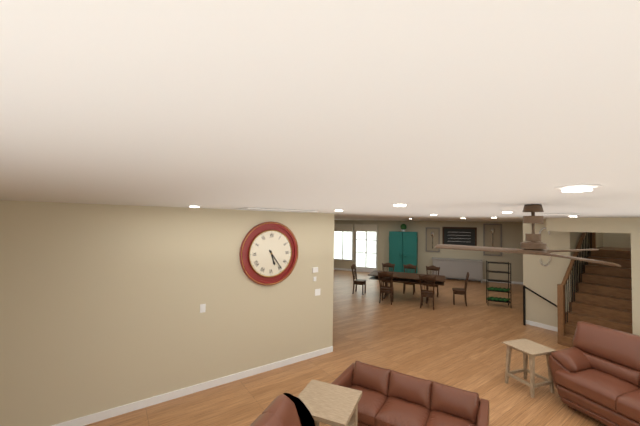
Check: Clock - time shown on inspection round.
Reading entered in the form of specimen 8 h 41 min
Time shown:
5 h 24 min
